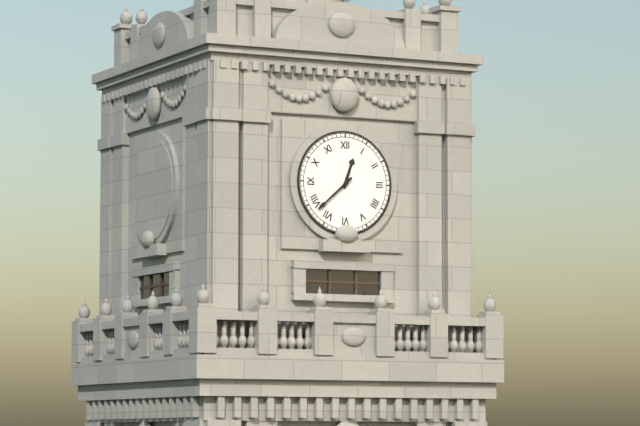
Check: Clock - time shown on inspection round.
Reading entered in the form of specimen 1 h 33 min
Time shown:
12 h 38 min
